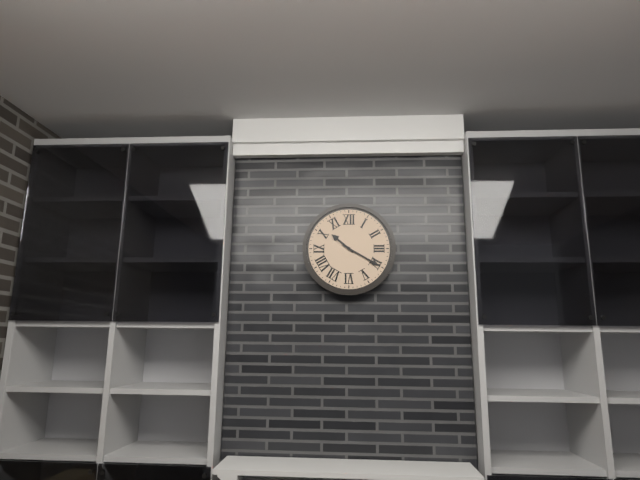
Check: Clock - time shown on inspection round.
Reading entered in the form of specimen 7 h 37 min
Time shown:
10 h 20 min
